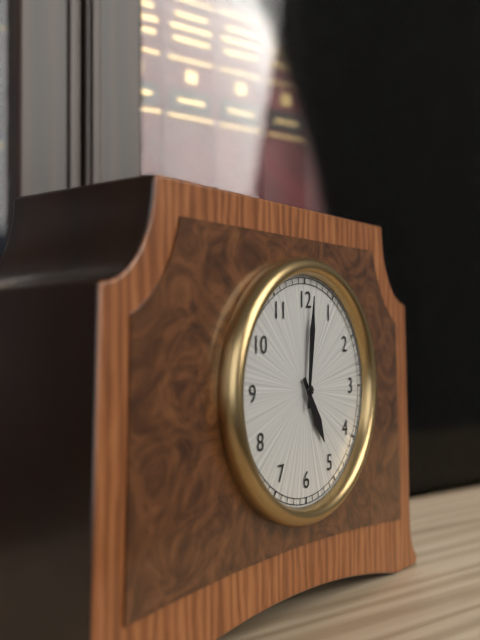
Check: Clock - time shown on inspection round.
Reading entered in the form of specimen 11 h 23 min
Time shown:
5 h 01 min
